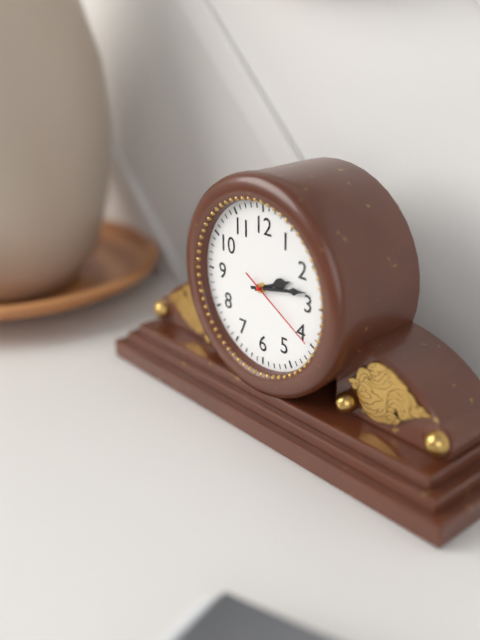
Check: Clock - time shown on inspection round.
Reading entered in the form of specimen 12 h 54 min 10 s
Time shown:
2 h 13 min 20 s
